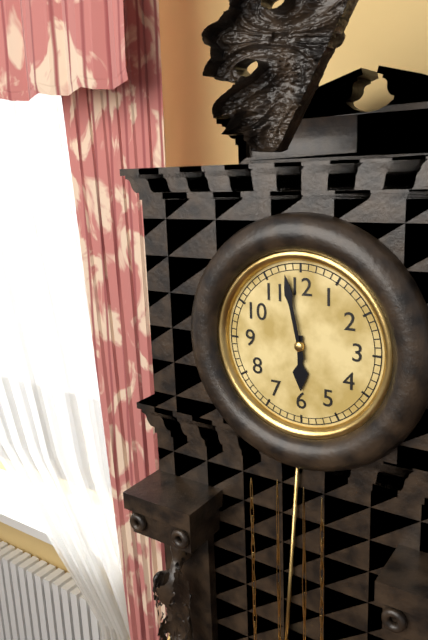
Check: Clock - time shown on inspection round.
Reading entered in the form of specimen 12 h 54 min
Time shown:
5 h 58 min
